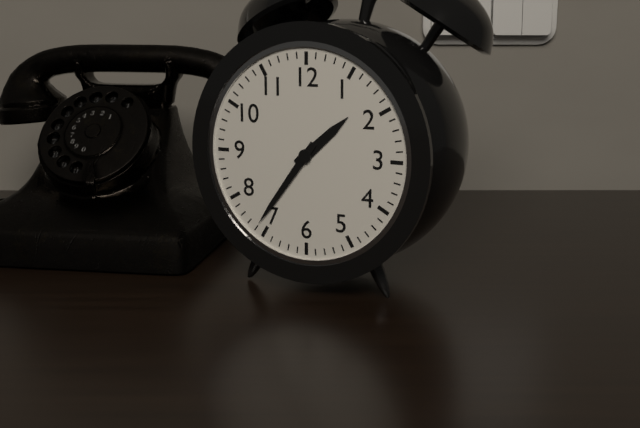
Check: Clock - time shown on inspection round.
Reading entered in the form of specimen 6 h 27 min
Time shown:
1 h 36 min
